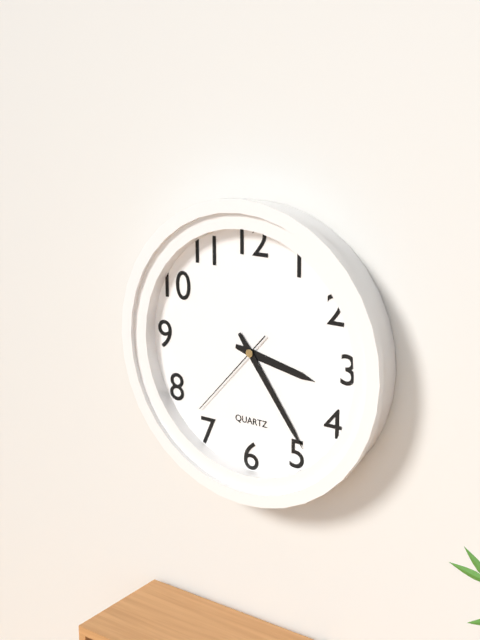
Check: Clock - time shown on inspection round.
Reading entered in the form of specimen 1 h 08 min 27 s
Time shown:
3 h 24 min 37 s
